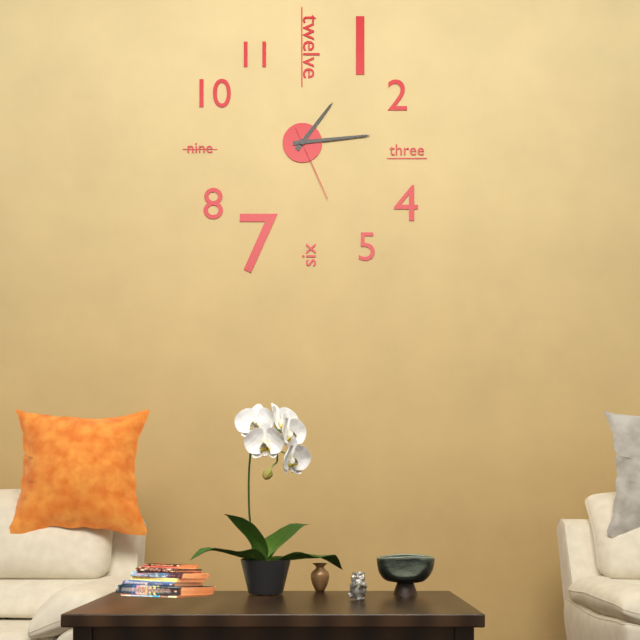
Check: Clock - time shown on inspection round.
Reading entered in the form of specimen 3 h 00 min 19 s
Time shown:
1 h 14 min 26 s
